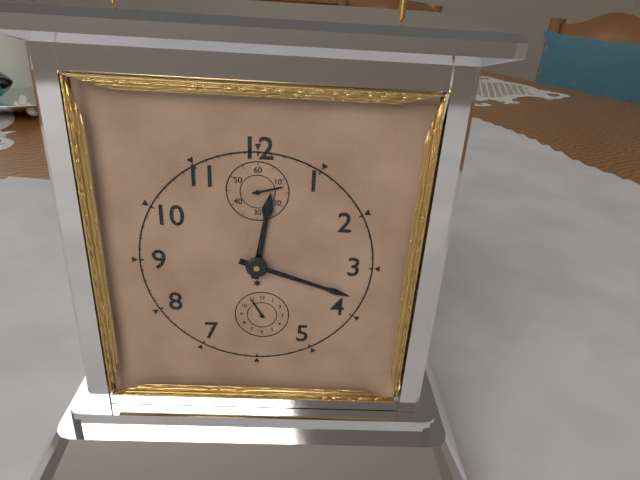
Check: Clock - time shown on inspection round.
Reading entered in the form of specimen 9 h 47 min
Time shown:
12 h 18 min
